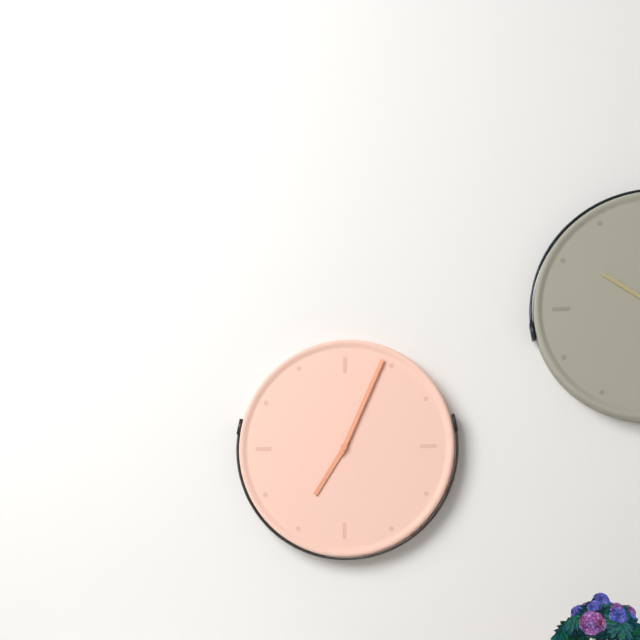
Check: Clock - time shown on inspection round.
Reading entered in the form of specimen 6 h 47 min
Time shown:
7 h 04 min
